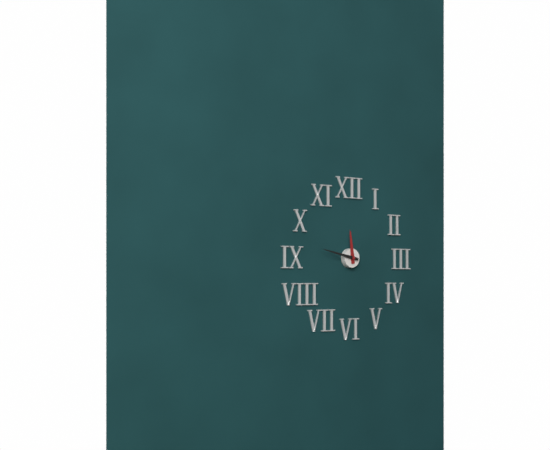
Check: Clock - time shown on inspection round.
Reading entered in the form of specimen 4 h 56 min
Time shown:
11 h 47 min
